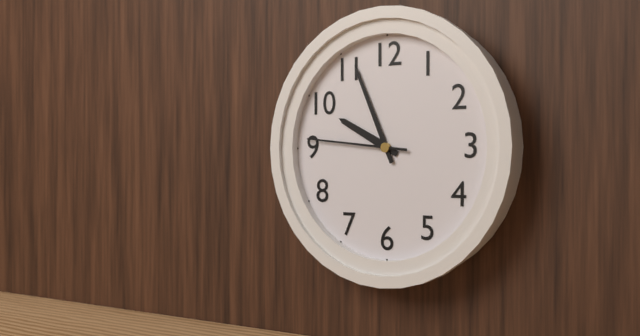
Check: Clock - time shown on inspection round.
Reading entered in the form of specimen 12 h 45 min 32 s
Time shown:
9 h 56 min 46 s
